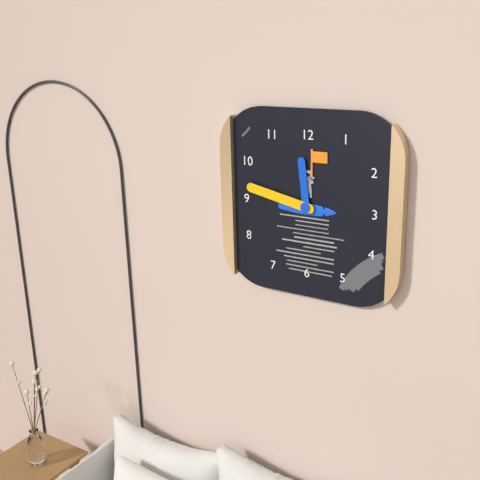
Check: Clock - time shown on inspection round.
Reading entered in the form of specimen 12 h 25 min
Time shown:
11 h 47 min
